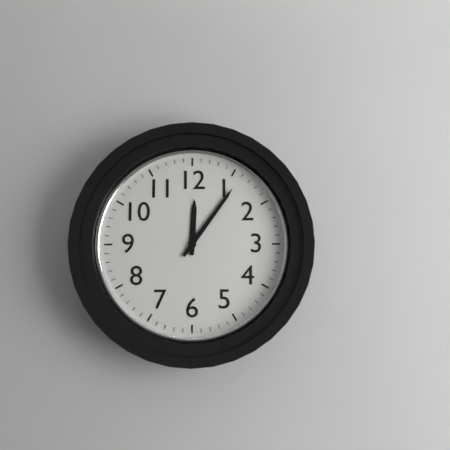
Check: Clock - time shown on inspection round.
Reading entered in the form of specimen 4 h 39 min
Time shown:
12 h 06 min
